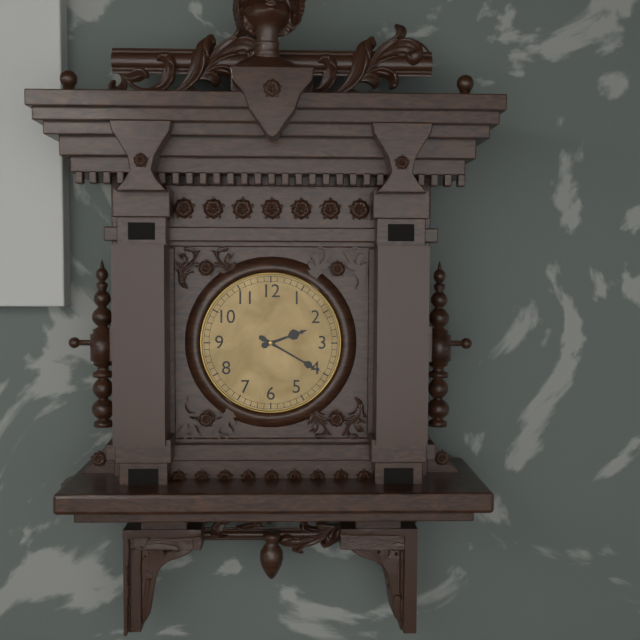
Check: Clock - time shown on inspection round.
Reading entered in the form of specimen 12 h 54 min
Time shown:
2 h 20 min
